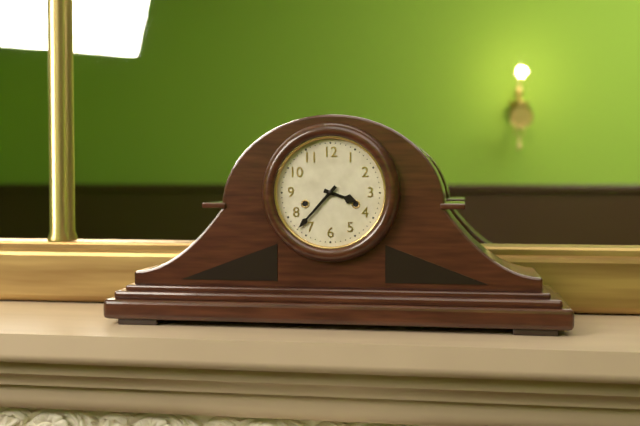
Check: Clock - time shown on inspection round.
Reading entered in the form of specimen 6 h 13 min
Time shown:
3 h 37 min
